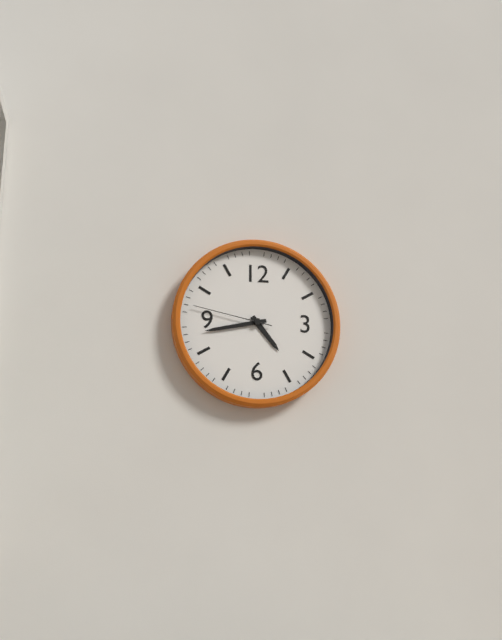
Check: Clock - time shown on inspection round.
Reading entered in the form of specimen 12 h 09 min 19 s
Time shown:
4 h 43 min 47 s
